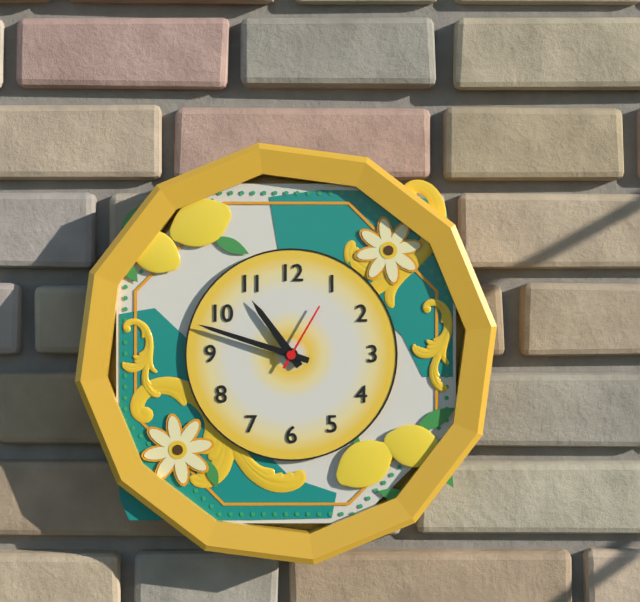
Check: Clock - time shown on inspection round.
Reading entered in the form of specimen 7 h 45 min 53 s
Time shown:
10 h 48 min 05 s
